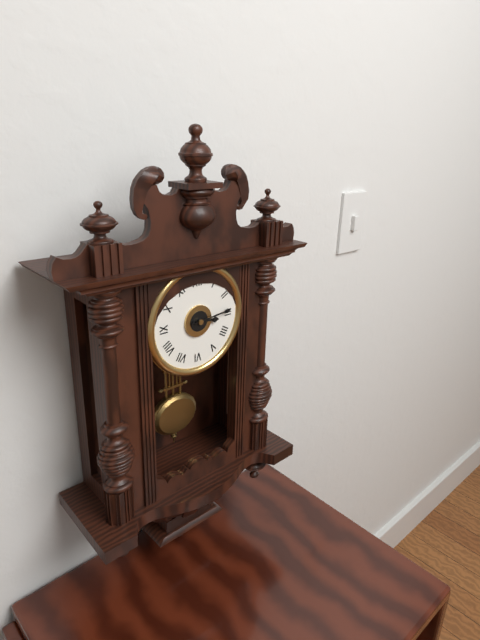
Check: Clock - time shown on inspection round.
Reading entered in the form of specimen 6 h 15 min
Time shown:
3 h 14 min
